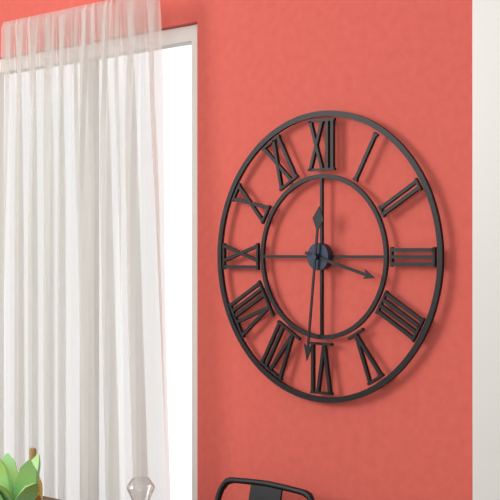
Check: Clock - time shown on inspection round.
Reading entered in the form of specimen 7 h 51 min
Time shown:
3 h 31 min
